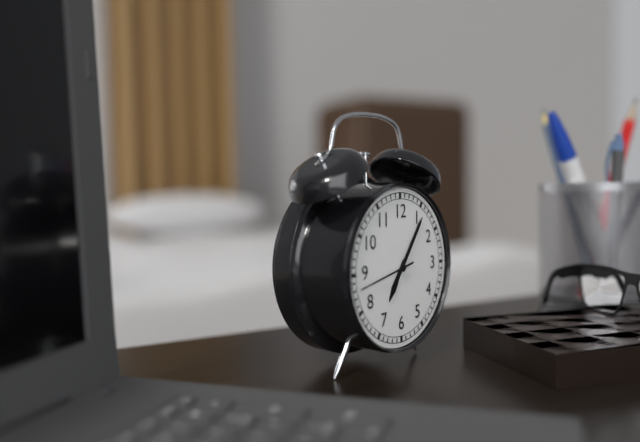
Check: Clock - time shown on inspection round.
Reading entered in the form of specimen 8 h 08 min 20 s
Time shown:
7 h 06 min 43 s
